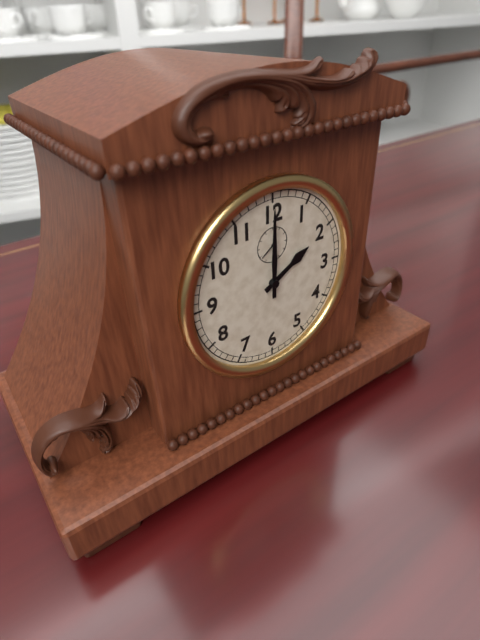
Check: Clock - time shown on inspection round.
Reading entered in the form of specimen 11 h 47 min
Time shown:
2 h 00 min
